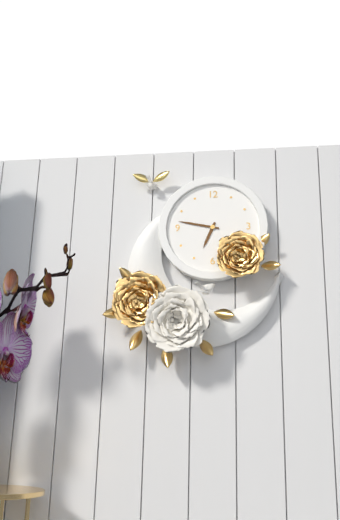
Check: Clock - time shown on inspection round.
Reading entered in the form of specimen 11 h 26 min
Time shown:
6 h 47 min
